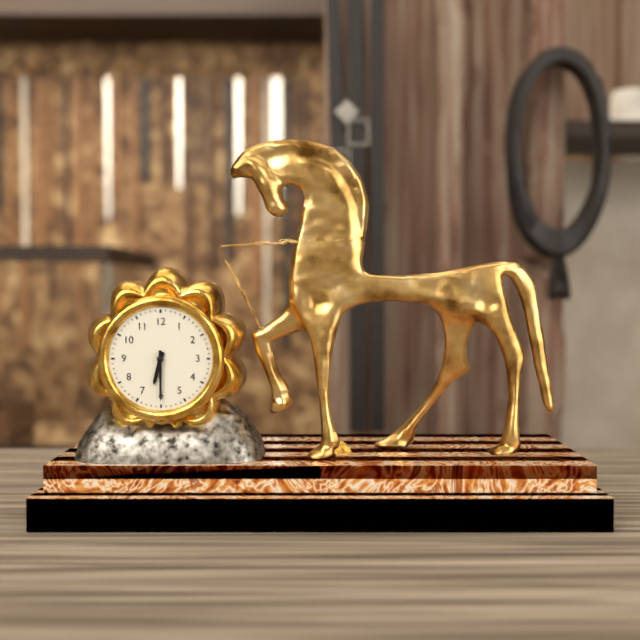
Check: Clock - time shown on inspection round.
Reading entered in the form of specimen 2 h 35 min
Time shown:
6 h 30 min
